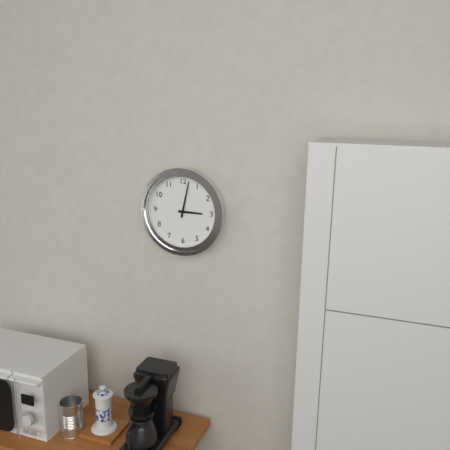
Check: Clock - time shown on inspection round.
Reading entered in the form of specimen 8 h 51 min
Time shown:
3 h 02 min
